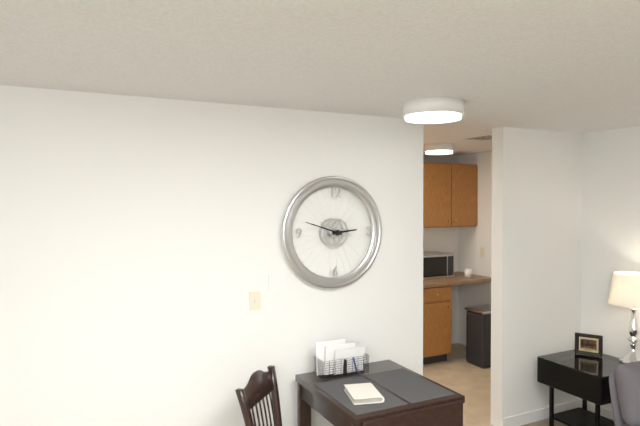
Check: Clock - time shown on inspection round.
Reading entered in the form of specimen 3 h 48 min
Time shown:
2 h 48 min
